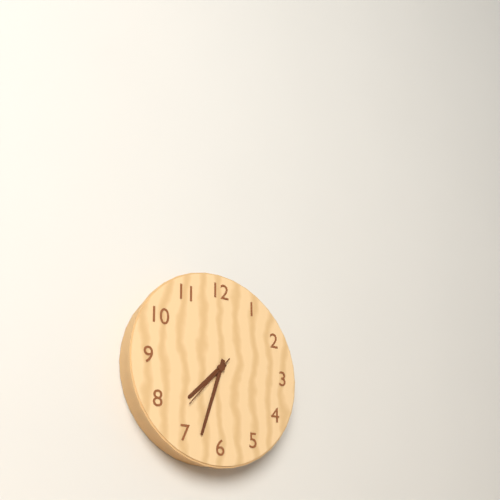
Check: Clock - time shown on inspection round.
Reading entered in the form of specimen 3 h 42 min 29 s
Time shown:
7 h 33 min 37 s
